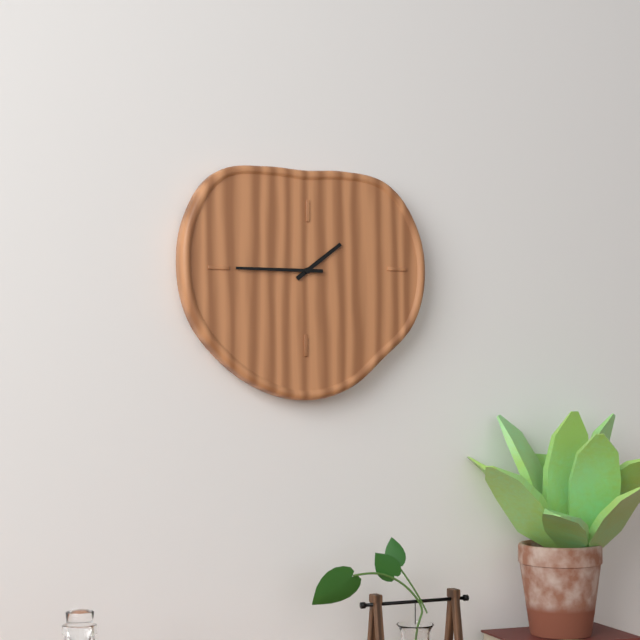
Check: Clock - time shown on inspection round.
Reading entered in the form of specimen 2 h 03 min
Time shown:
1 h 45 min
